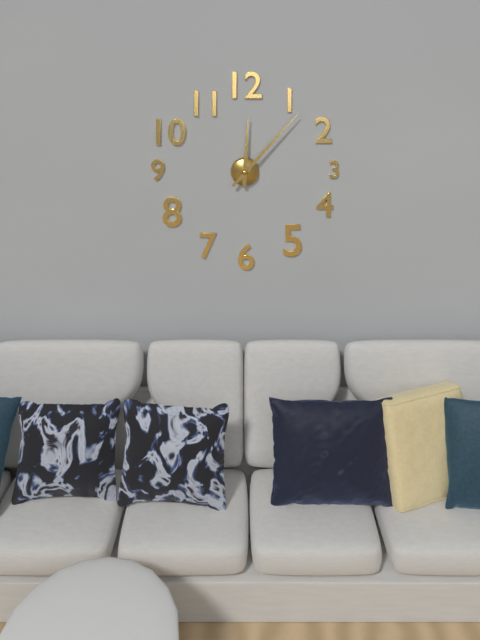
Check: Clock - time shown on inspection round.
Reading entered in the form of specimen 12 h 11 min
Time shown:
12 h 07 min
